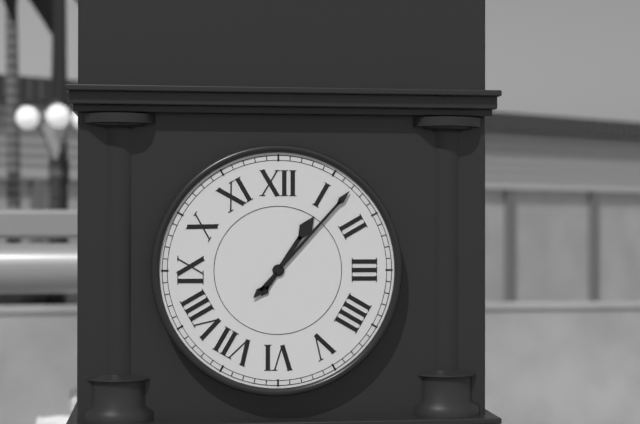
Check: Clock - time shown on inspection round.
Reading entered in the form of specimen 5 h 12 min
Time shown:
1 h 07 min
